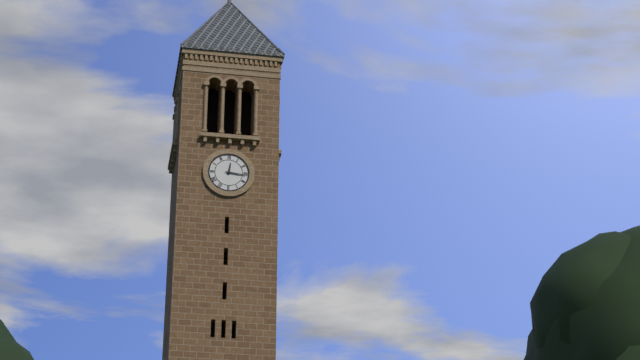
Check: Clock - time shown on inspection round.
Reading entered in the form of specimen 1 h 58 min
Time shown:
12 h 16 min
